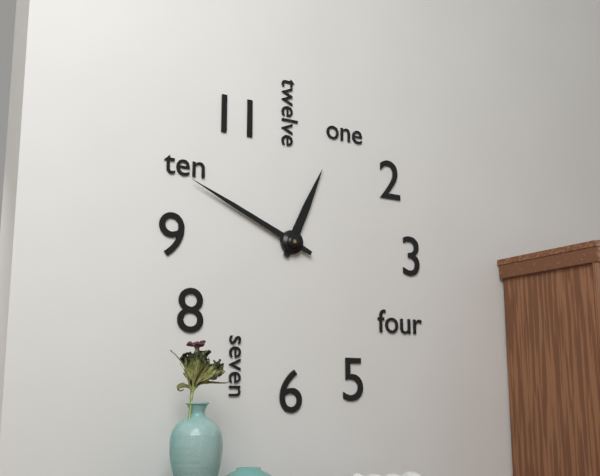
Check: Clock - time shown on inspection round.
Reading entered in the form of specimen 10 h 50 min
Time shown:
12 h 49 min
